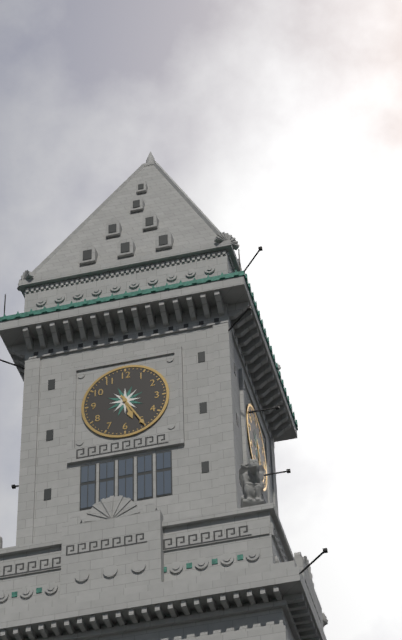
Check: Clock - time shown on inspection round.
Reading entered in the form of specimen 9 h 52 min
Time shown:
5 h 25 min
